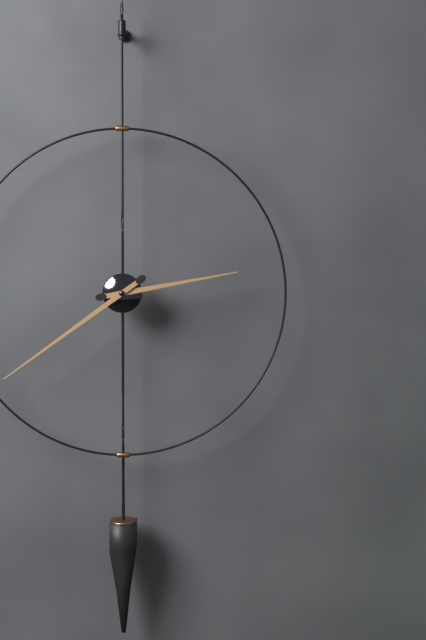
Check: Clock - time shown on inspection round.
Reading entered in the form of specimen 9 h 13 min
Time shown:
2 h 39 min
